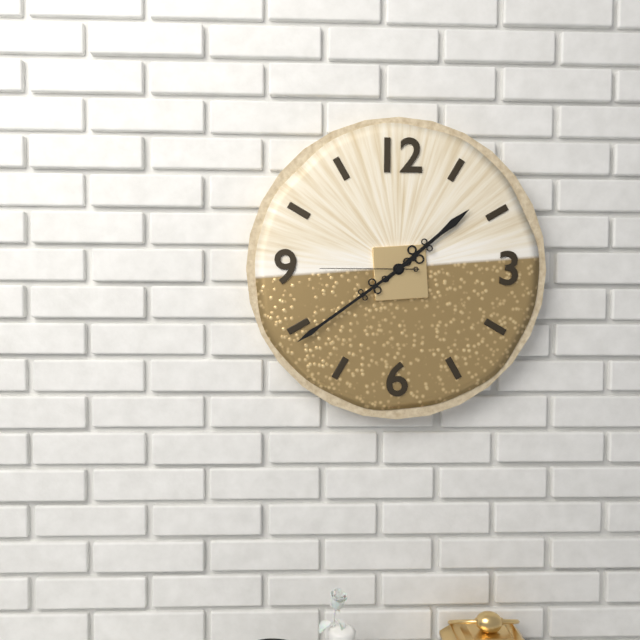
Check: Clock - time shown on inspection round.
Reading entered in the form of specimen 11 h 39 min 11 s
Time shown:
1 h 39 min 45 s
